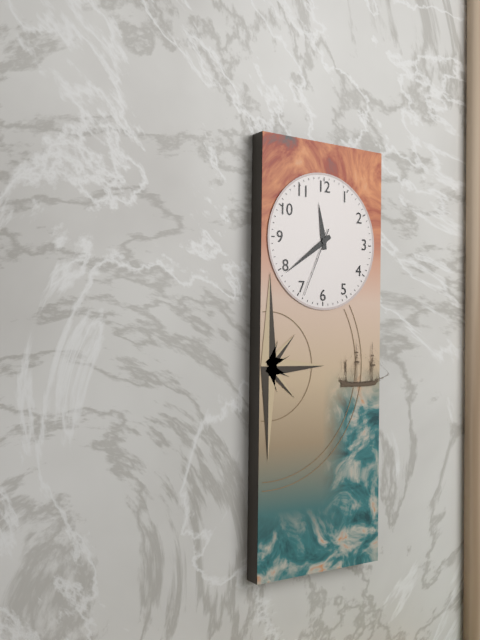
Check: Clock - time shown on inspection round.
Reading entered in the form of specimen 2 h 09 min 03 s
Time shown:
11 h 39 min 34 s
